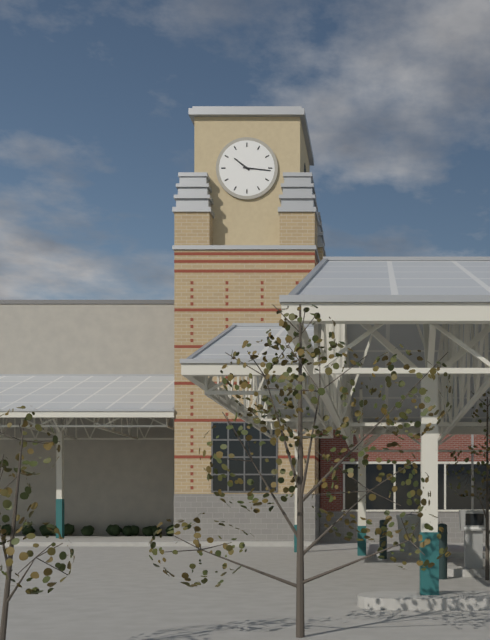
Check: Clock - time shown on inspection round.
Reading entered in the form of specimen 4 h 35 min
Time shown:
10 h 16 min
